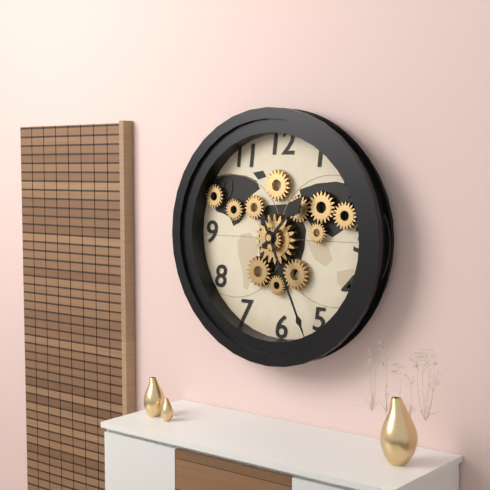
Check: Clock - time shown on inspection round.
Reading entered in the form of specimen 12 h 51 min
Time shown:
1 h 26 min
